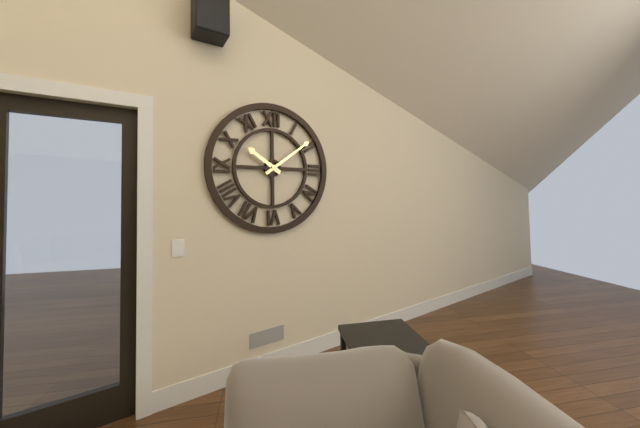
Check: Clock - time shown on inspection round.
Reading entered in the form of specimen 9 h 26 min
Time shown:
10 h 09 min
